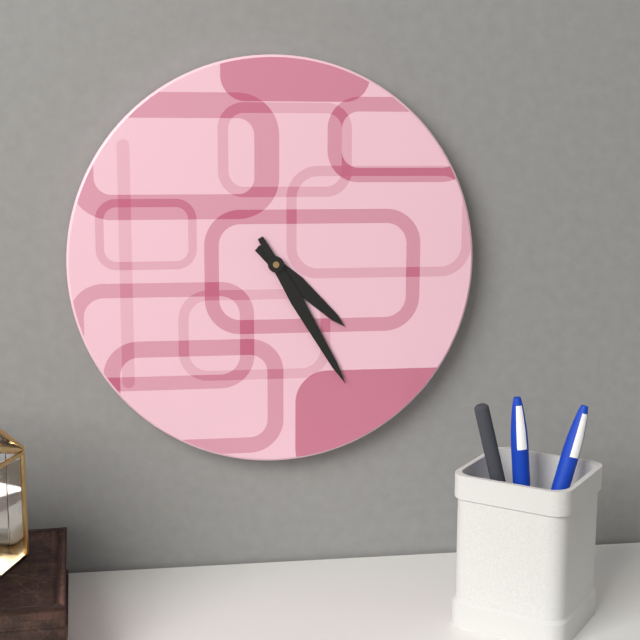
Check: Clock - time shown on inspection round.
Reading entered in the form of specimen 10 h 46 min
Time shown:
4 h 25 min
